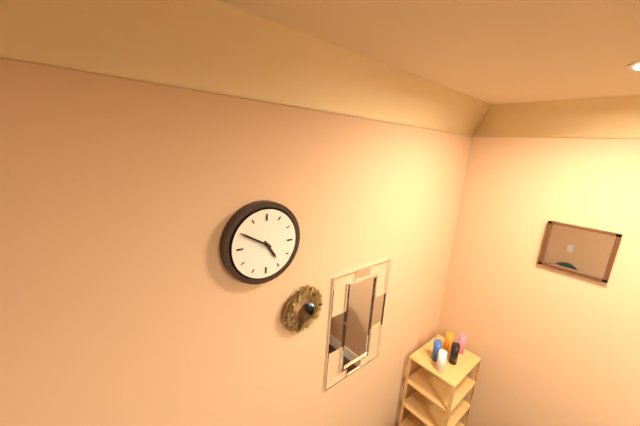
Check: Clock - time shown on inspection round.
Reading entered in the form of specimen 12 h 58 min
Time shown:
4 h 50 min
